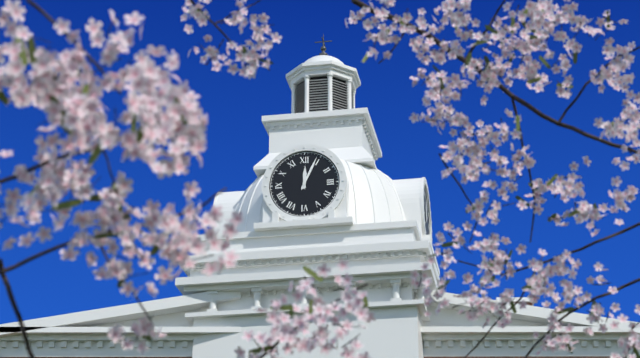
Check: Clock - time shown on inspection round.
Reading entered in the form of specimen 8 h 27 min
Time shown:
12 h 04 min
